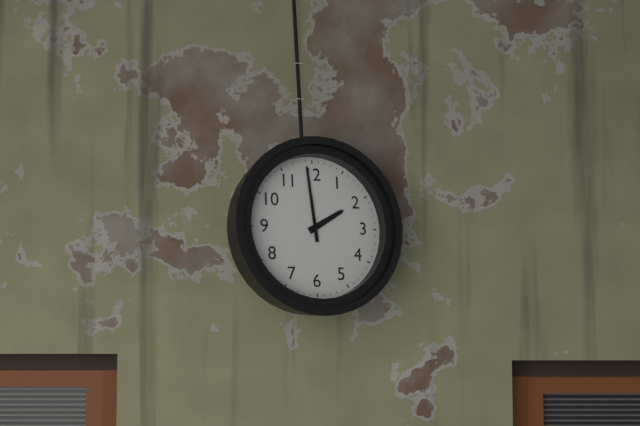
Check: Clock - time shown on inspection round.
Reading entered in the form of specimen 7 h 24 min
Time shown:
1 h 59 min
